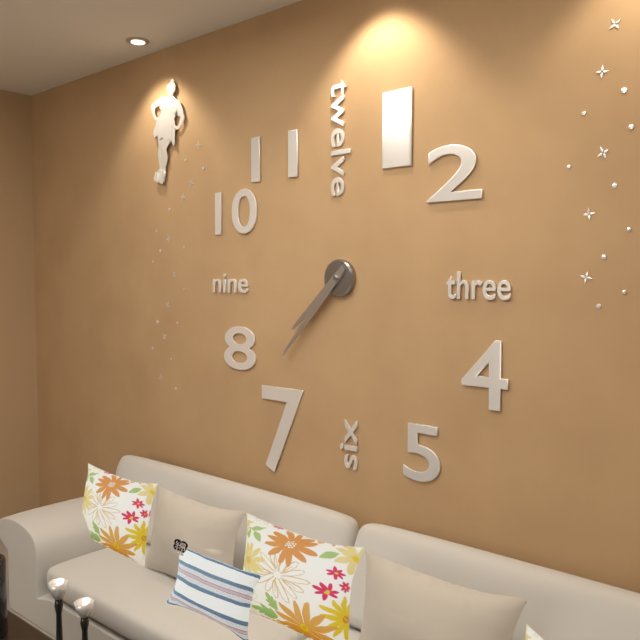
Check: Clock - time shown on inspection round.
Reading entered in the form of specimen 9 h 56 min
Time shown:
7 h 37 min
